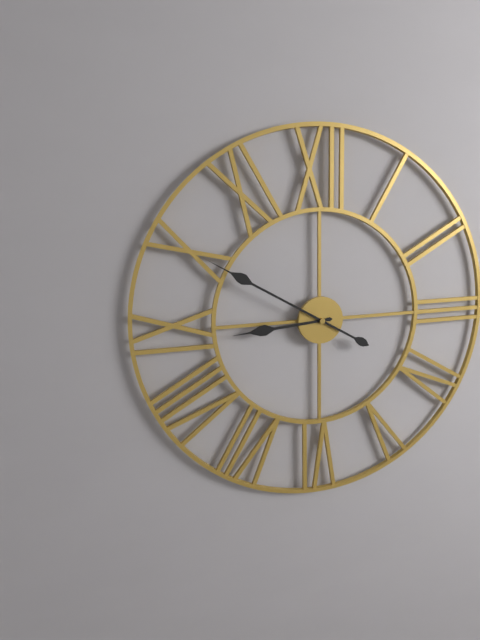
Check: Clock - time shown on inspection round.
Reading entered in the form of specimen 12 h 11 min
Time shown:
8 h 50 min
